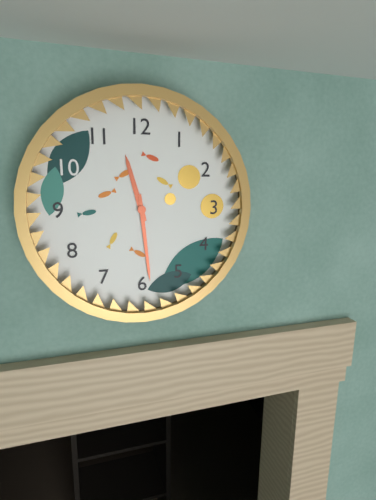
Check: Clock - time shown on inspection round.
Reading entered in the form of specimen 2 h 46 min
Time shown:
11 h 29 min
